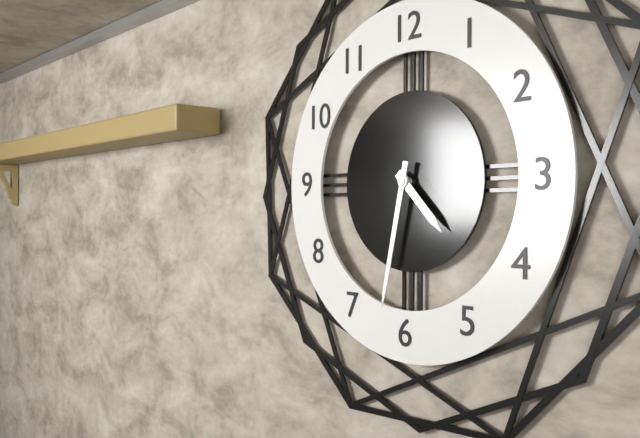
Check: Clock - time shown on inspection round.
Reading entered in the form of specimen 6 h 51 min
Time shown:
4 h 32 min
